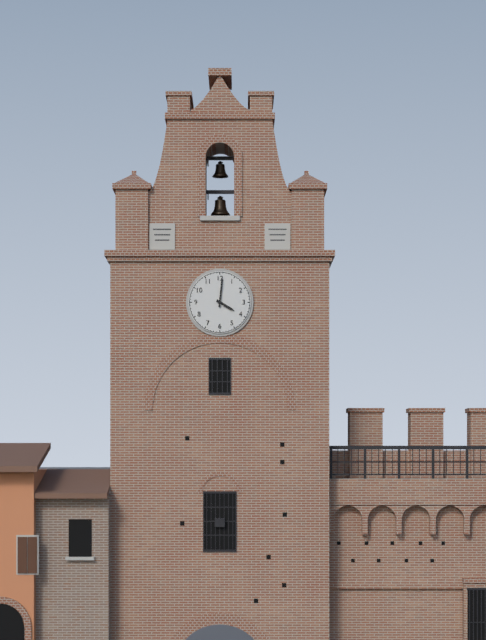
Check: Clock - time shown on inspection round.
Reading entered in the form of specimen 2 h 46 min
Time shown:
4 h 01 min
